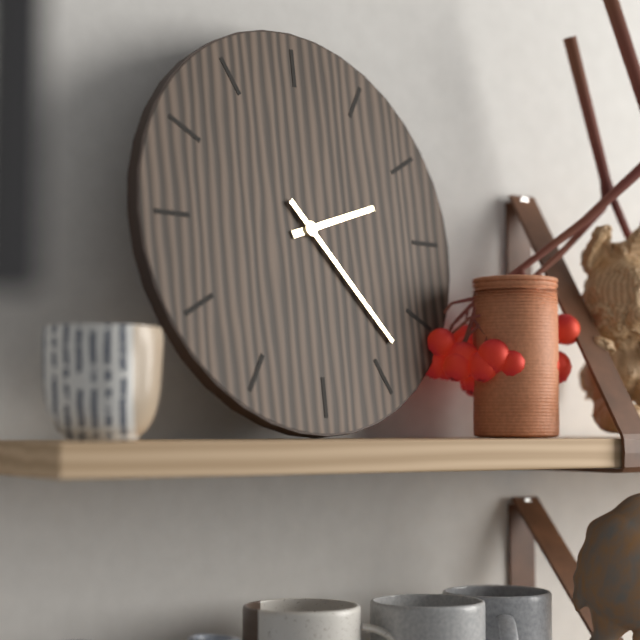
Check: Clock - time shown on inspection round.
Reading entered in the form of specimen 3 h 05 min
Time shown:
2 h 23 min
